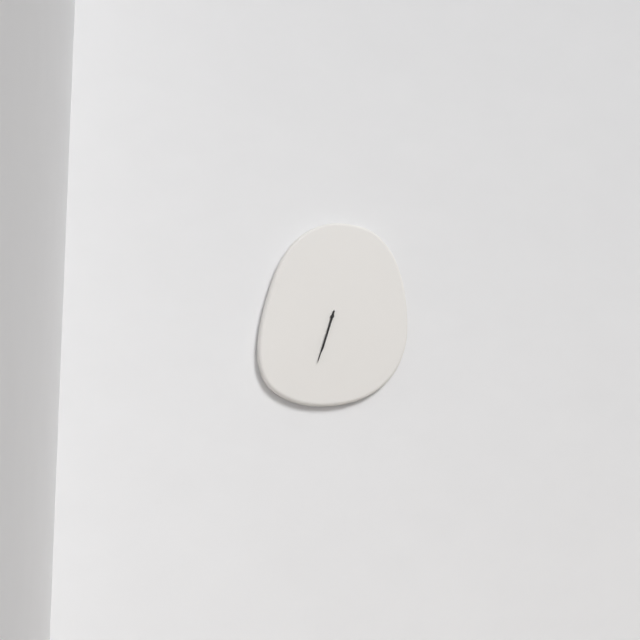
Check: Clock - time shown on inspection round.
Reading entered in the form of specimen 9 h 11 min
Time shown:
6 h 33 min
